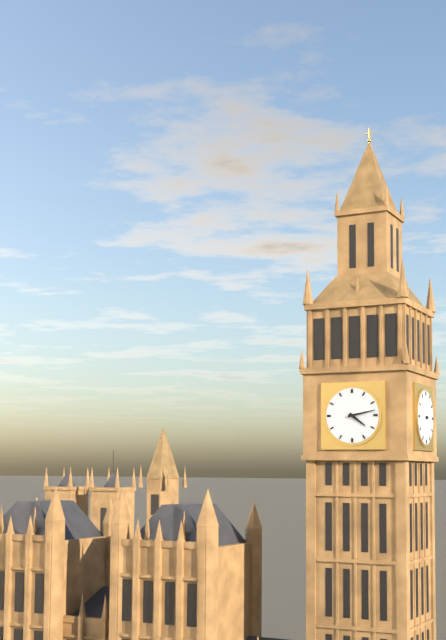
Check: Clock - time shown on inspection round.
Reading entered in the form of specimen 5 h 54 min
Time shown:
4 h 13 min
